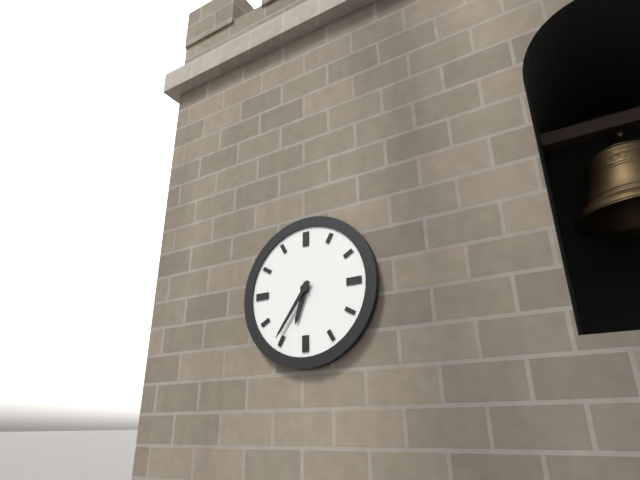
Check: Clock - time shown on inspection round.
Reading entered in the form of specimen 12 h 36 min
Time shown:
6 h 36 min
